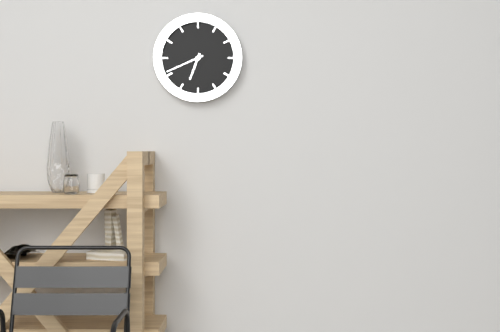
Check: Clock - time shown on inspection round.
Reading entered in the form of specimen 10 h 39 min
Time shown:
6 h 41 min
